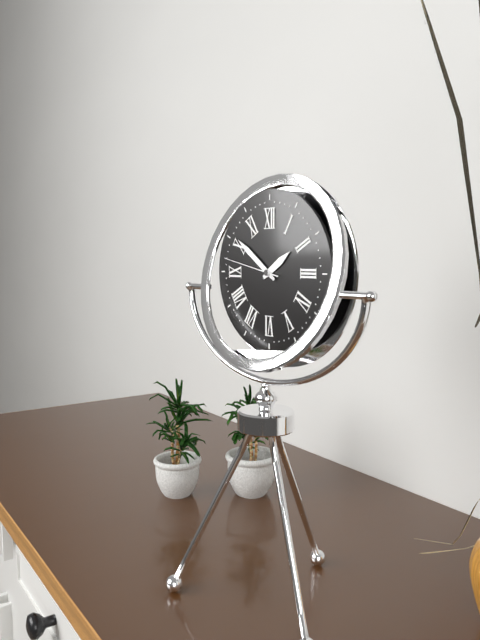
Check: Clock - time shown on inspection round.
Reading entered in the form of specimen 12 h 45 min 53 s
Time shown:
1 h 51 min 47 s
